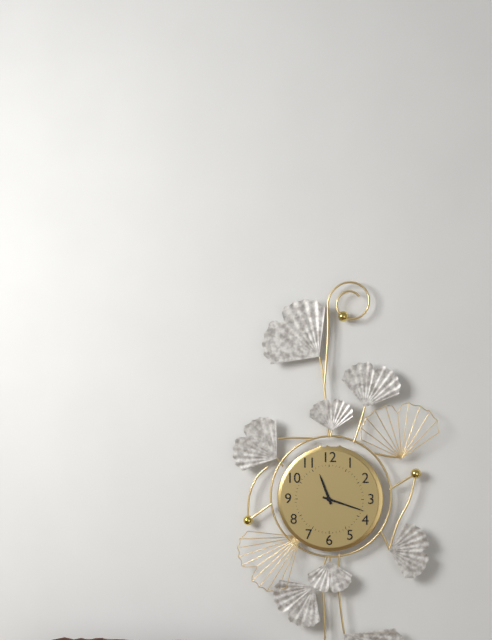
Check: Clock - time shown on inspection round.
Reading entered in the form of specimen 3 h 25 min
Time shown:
11 h 18 min
